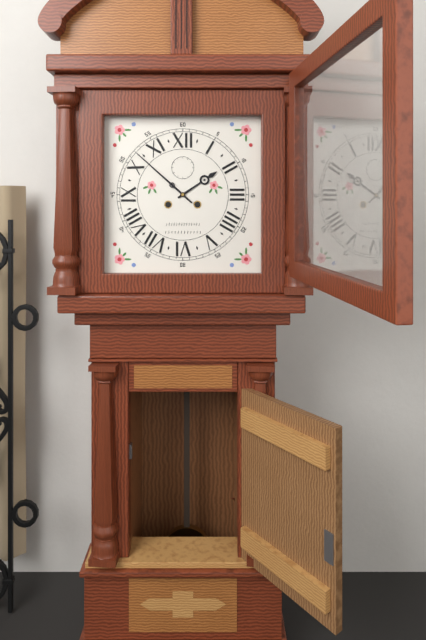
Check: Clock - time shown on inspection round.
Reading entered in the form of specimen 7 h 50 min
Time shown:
1 h 52 min
